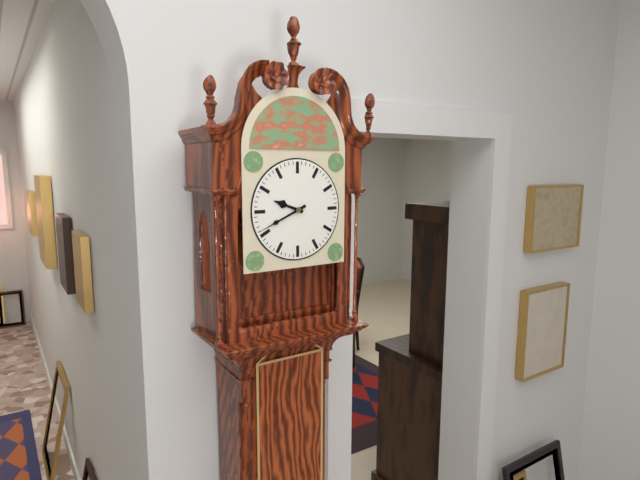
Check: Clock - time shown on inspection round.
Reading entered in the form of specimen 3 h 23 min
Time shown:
9 h 41 min
